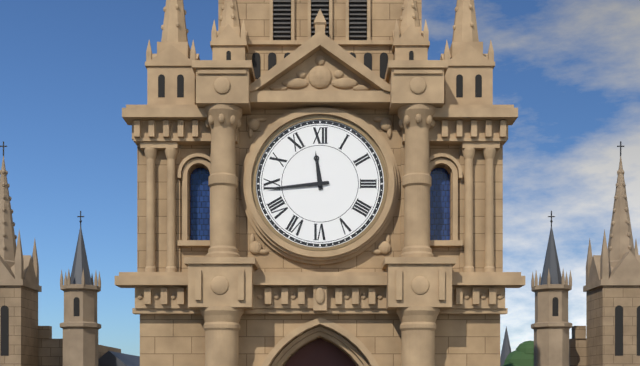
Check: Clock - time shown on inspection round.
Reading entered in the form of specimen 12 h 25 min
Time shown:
11 h 44 min
